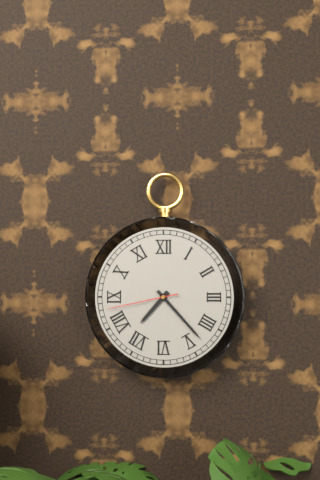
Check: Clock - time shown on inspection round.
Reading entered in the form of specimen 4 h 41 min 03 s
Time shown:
7 h 23 min 43 s
